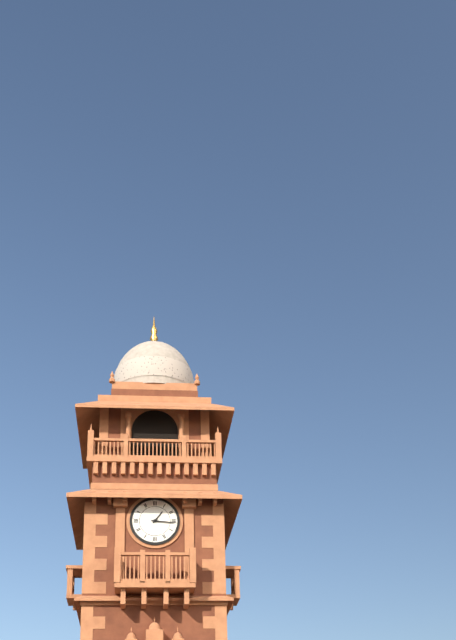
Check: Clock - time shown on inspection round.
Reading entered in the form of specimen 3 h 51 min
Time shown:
1 h 16 min
